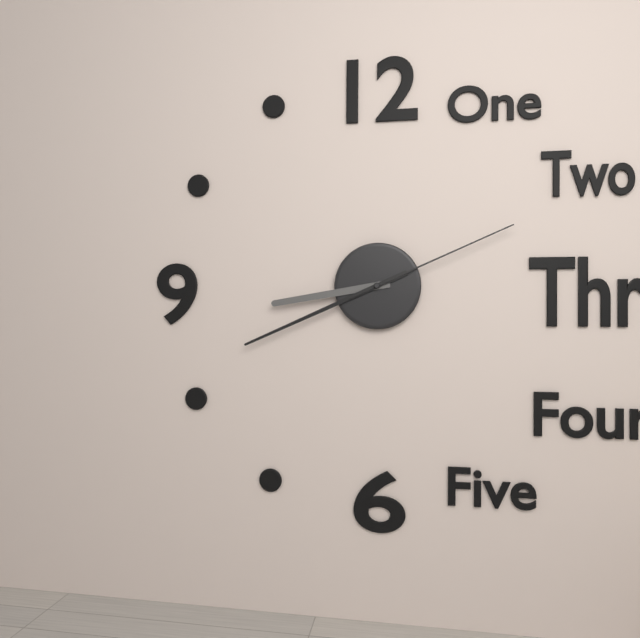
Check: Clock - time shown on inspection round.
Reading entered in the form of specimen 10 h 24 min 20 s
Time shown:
8 h 41 min 11 s
